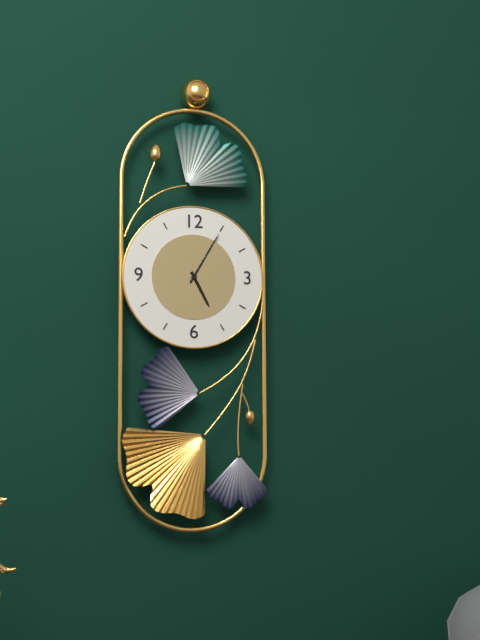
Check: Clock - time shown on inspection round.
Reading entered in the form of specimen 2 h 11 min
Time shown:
5 h 05 min
